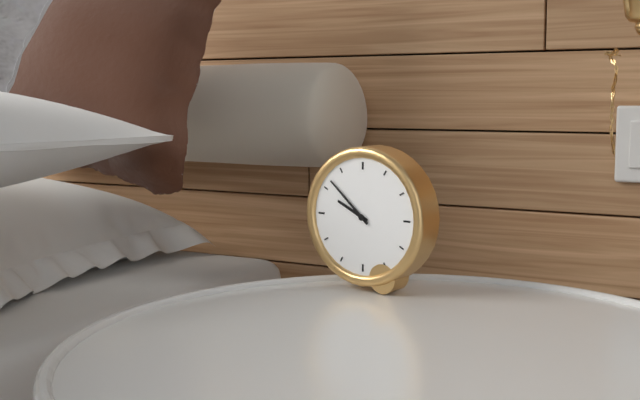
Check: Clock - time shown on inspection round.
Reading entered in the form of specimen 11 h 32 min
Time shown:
9 h 52 min
